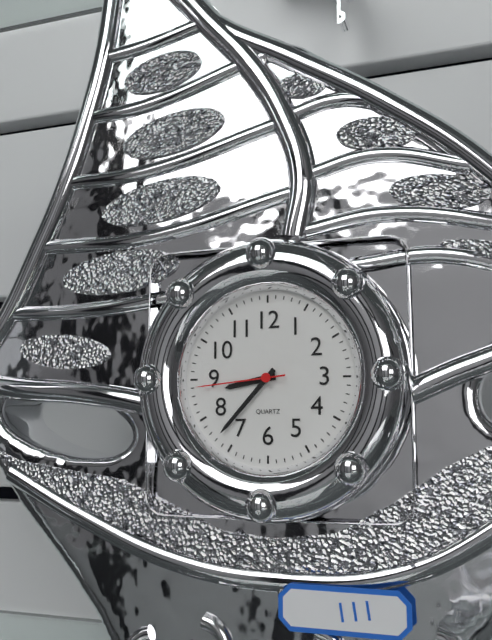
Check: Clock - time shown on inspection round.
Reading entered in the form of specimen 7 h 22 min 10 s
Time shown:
8 h 37 min 44 s
